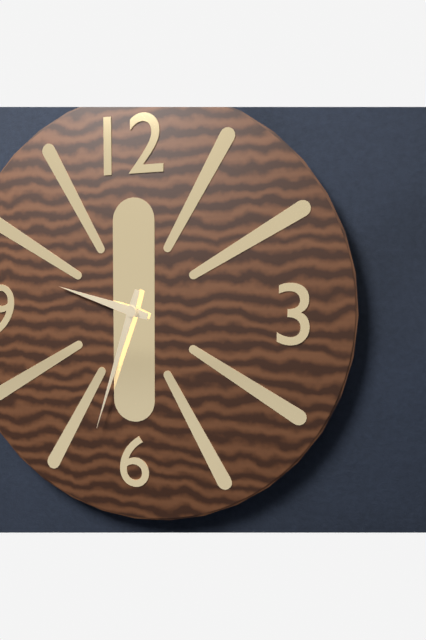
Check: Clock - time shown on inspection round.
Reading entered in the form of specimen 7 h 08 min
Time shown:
9 h 33 min
